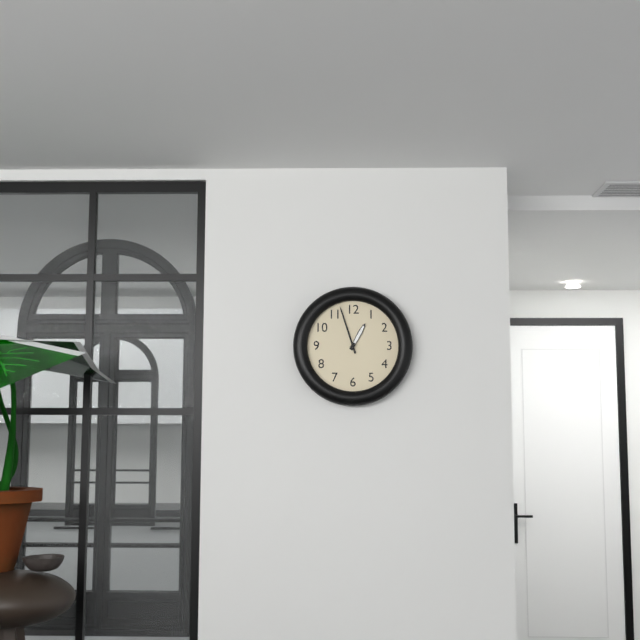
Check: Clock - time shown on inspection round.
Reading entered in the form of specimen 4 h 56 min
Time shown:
12 h 57 min
